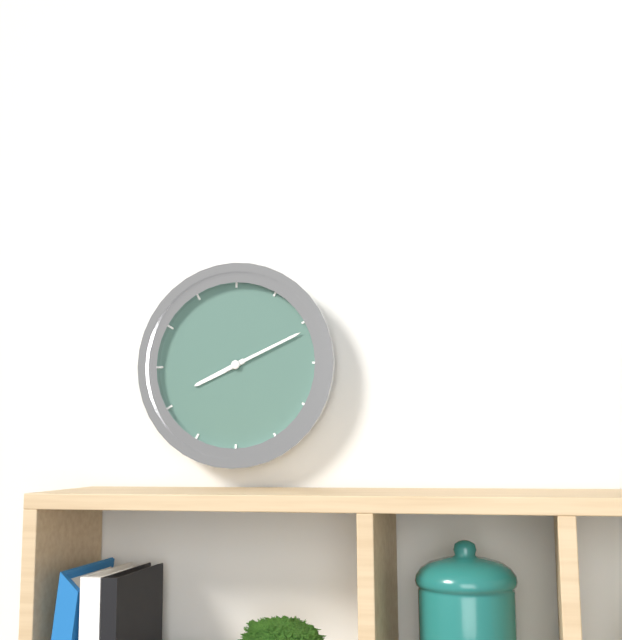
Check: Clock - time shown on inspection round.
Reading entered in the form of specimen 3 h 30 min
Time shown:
8 h 11 min
